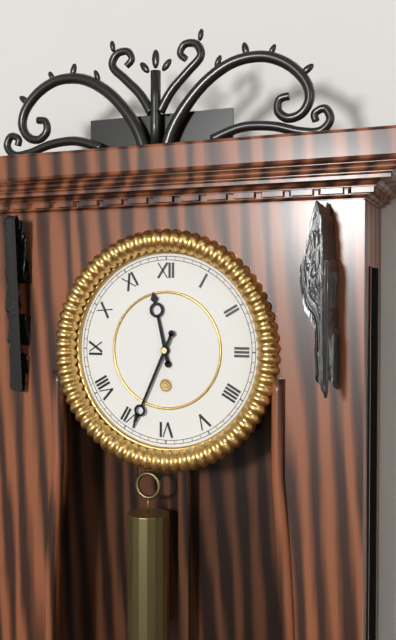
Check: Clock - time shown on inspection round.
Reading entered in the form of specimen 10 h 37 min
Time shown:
11 h 34 min
